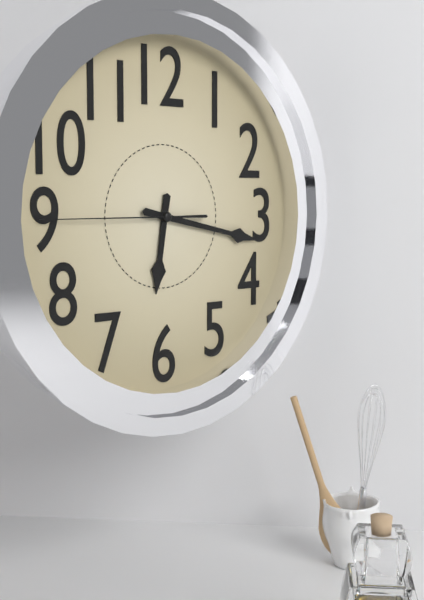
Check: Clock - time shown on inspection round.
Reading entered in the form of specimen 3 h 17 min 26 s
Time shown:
6 h 17 min 45 s
